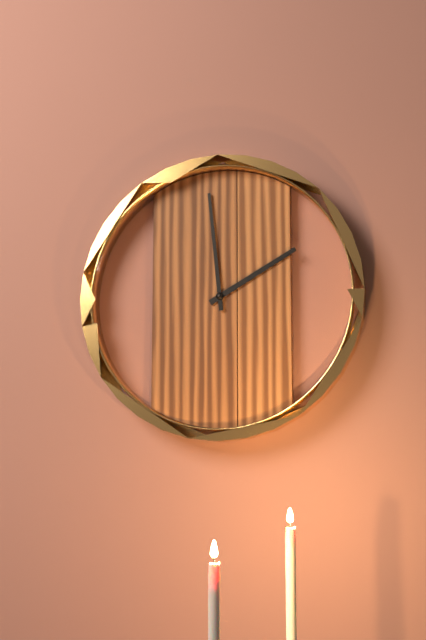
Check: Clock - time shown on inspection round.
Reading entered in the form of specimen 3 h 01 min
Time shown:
1 h 59 min
